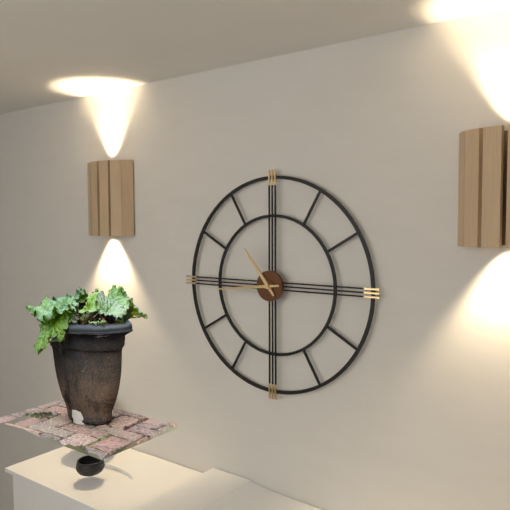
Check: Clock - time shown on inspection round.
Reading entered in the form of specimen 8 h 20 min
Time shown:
10 h 44 min
